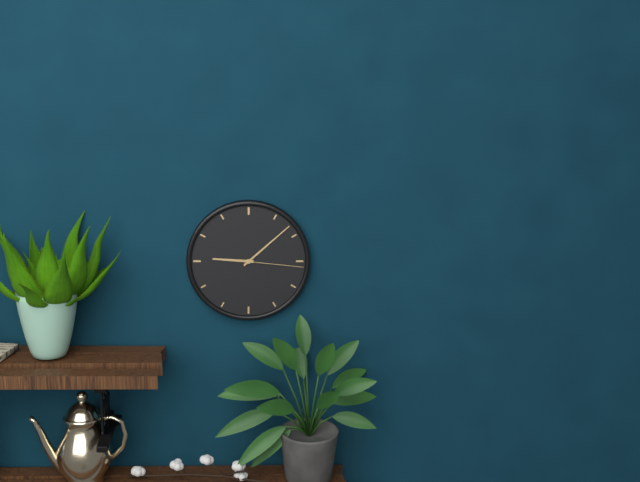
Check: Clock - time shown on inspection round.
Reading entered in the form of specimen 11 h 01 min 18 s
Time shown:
9 h 08 min 16 s
